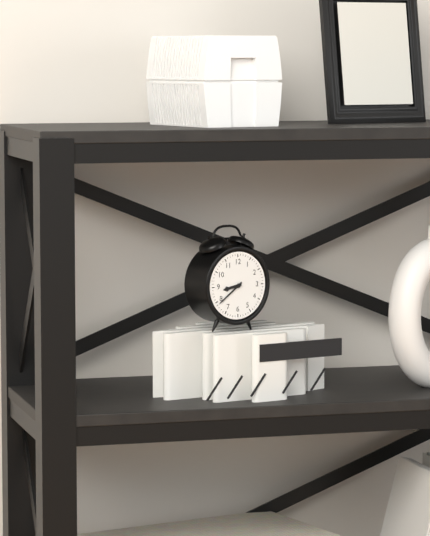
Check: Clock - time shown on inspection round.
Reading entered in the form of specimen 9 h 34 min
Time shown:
8 h 39 min
